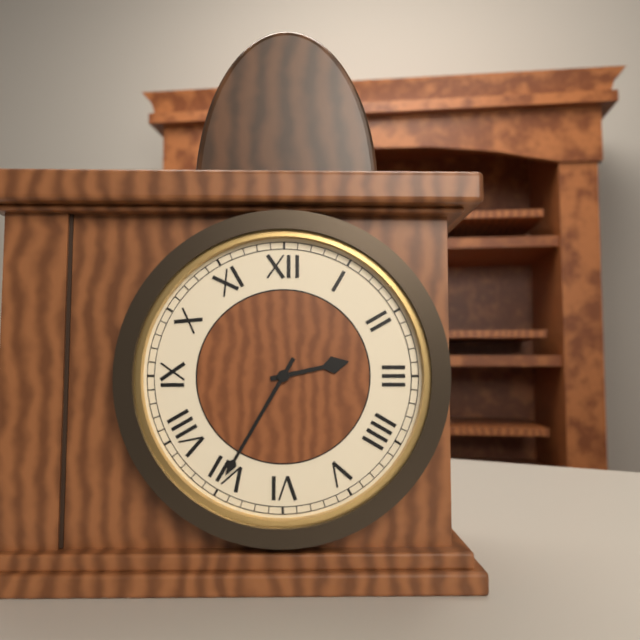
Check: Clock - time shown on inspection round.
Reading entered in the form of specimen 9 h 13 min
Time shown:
2 h 35 min
